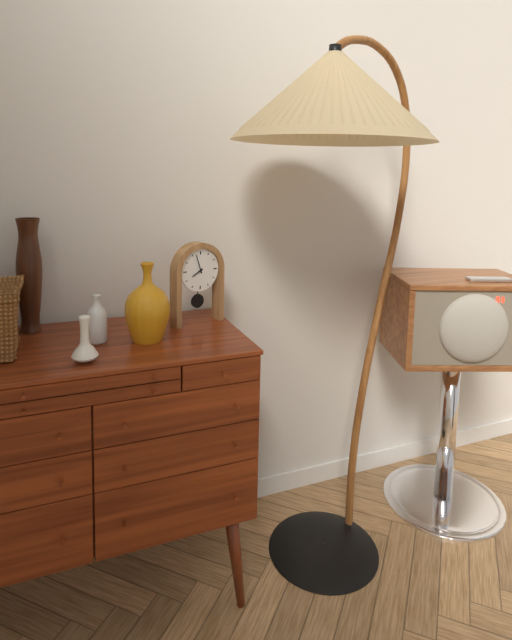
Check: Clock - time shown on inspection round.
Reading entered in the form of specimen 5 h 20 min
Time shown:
7 h 57 min
